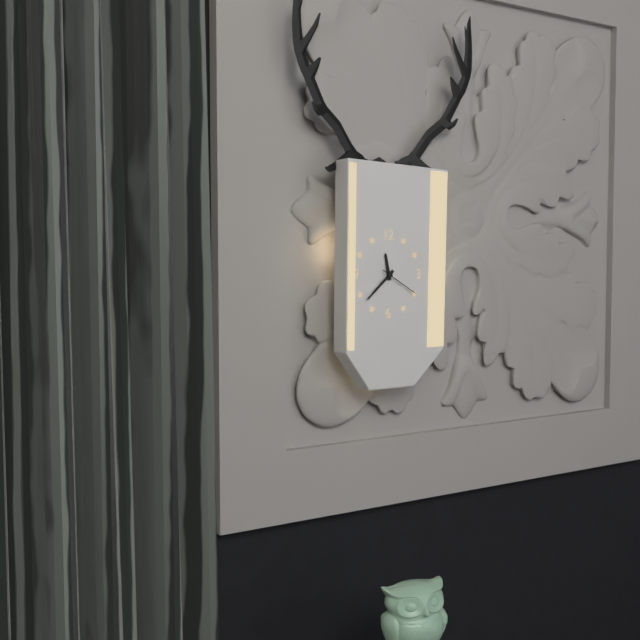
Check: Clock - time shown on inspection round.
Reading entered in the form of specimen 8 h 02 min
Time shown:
11 h 38 min
